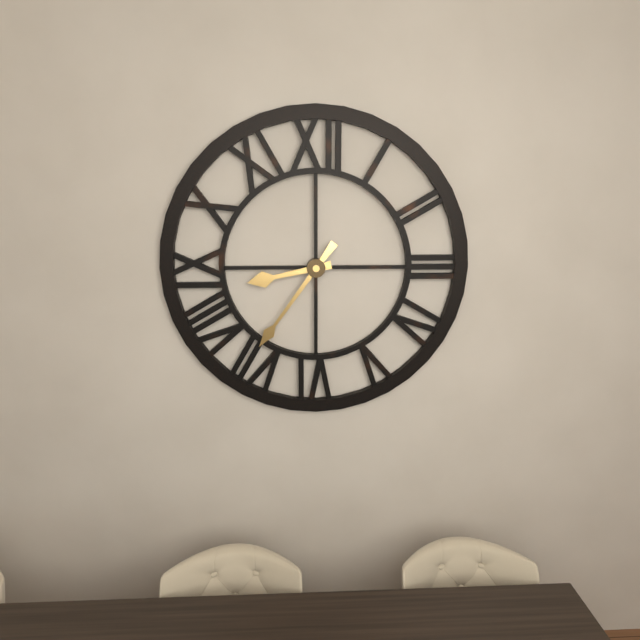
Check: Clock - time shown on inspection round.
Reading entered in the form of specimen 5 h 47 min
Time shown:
8 h 36 min
